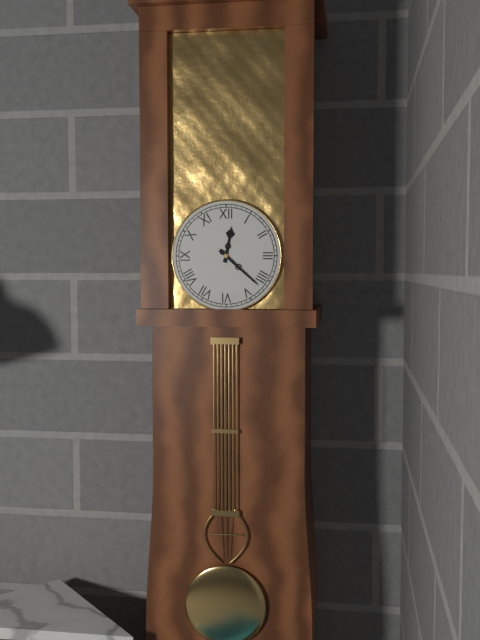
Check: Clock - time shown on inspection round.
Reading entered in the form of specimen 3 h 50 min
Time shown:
12 h 22 min
